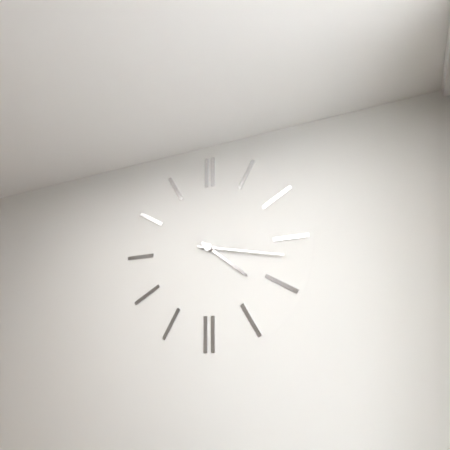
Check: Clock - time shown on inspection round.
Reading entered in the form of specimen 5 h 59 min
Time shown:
4 h 17 min
